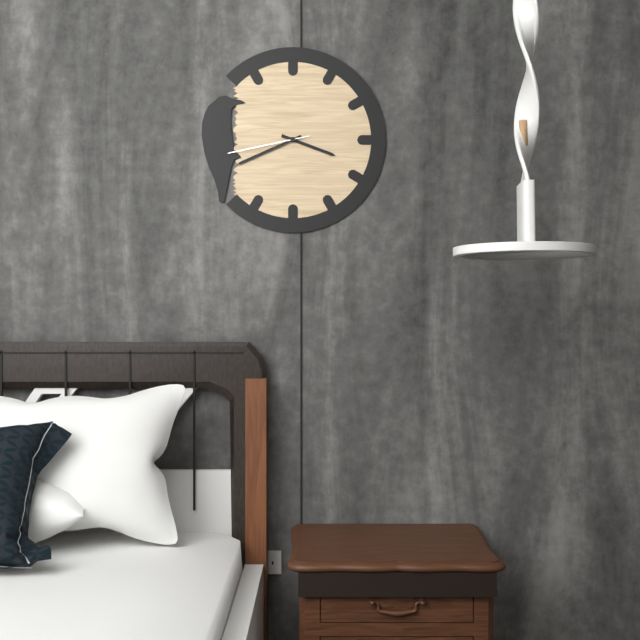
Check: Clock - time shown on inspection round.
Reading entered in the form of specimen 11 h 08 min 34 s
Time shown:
3 h 41 min 43 s
